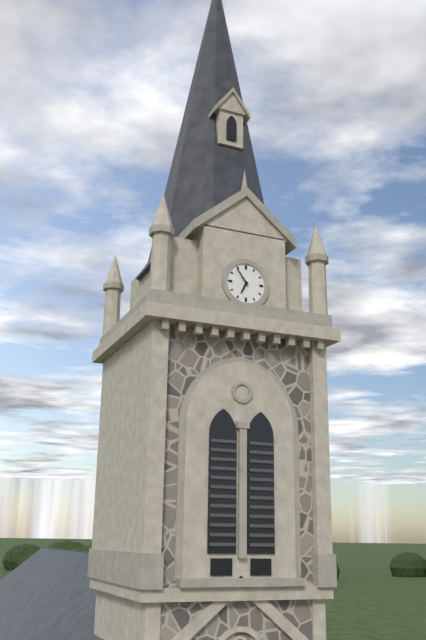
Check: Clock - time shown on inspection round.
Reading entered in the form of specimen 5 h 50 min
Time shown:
6 h 54 min
